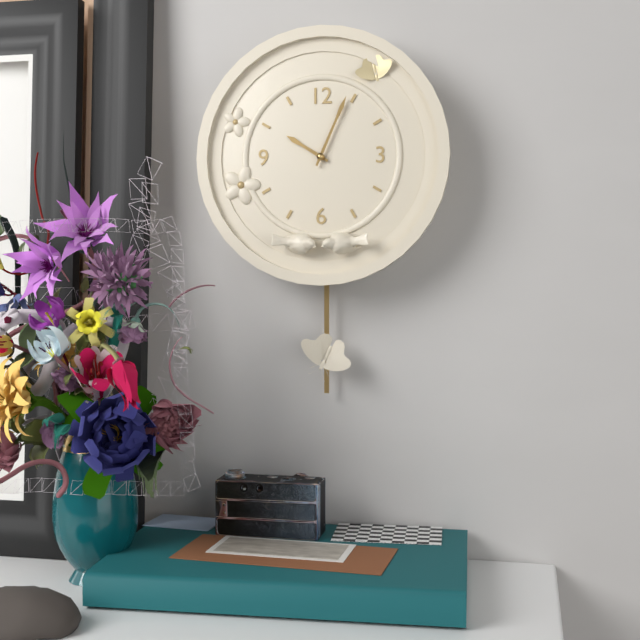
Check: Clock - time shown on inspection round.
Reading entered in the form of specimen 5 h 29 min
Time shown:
10 h 04 min
